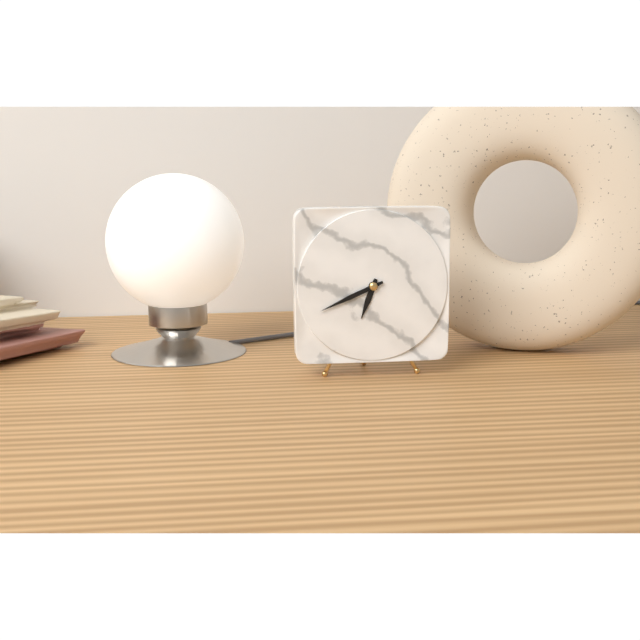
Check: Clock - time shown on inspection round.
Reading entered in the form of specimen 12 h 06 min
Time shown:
6 h 41 min
